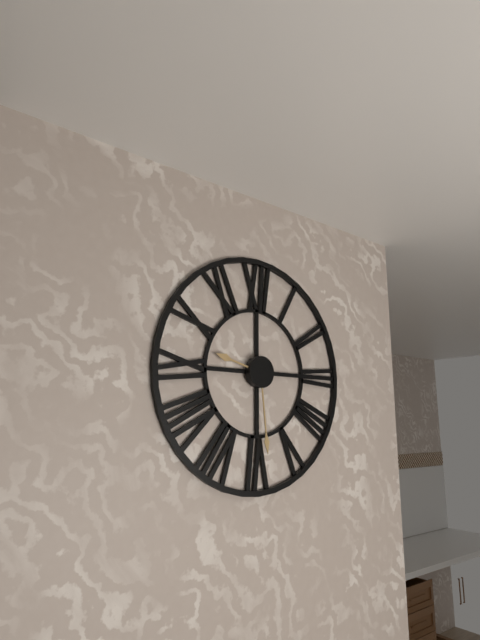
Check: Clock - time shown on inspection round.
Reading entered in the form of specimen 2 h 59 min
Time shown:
9 h 29 min
